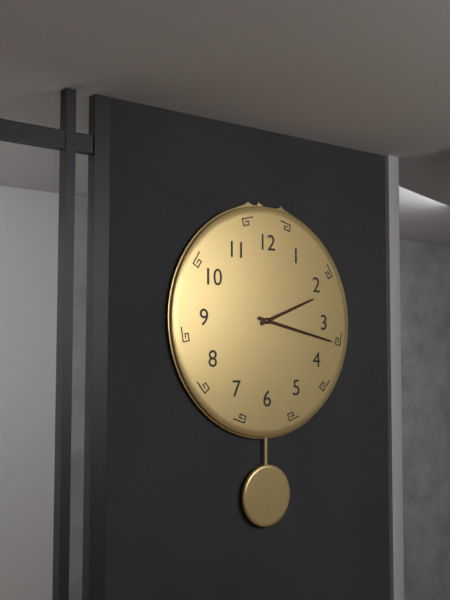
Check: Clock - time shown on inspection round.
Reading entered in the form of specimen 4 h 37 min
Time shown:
2 h 17 min
